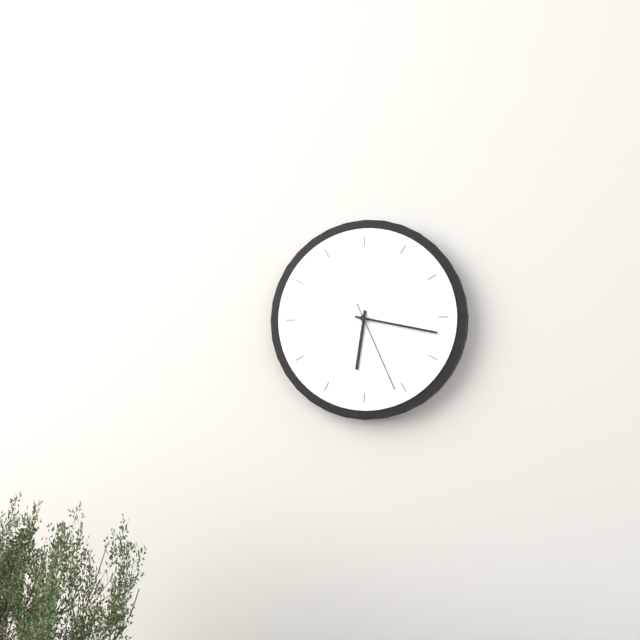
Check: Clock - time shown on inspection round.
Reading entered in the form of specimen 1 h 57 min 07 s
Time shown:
6 h 17 min 26 s
